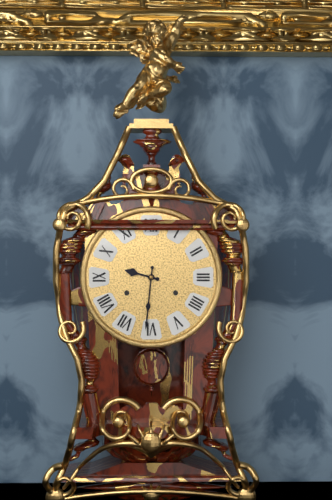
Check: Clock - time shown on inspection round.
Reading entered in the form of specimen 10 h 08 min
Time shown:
9 h 31 min
